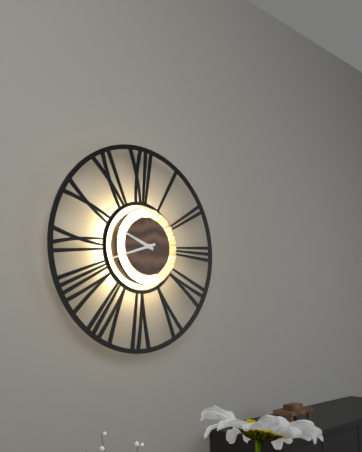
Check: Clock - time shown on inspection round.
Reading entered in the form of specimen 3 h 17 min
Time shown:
9 h 42 min
